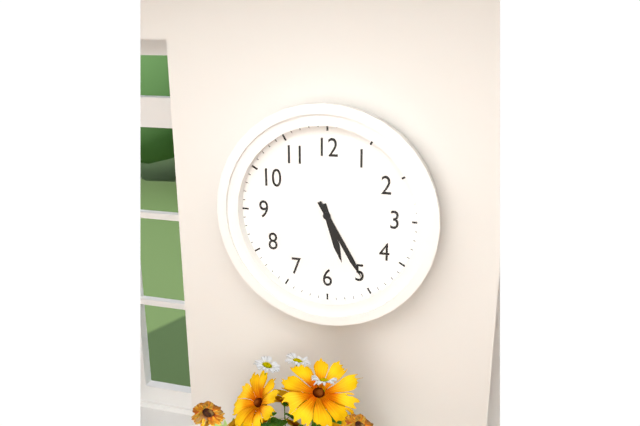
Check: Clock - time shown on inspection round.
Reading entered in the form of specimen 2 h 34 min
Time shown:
5 h 25 min
